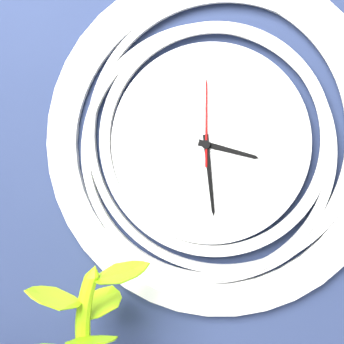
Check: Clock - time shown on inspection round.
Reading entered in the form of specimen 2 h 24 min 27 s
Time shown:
3 h 29 min 00 s
